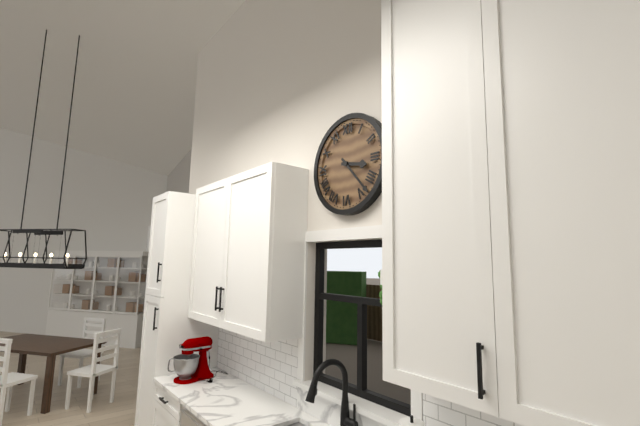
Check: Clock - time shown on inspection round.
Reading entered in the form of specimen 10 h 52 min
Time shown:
3 h 23 min
